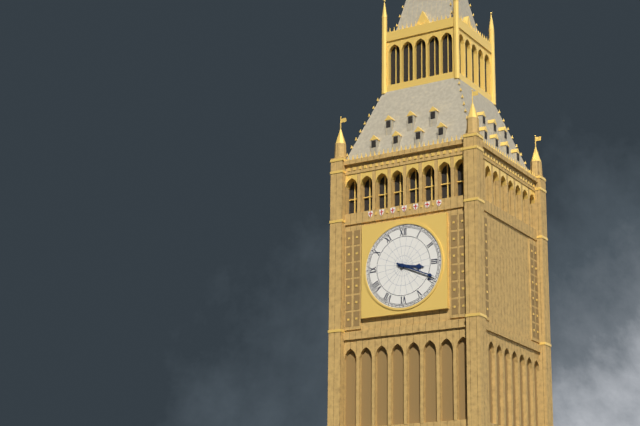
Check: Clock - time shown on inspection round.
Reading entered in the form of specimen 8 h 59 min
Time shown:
3 h 19 min
